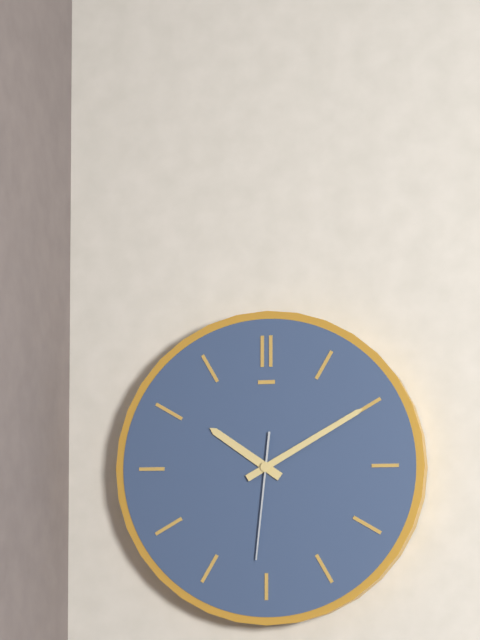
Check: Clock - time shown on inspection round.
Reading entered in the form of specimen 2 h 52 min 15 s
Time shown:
10 h 10 min 31 s
